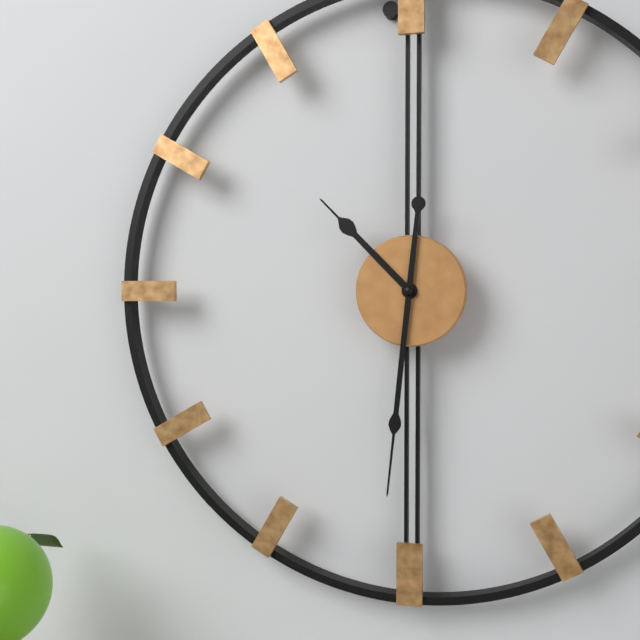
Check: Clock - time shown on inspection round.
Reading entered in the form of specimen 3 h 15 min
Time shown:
10 h 31 min
